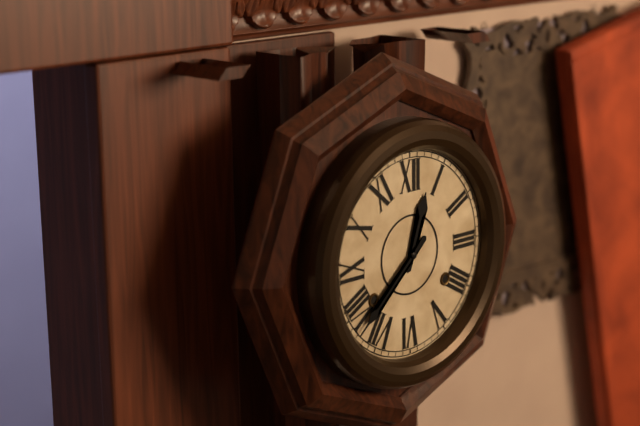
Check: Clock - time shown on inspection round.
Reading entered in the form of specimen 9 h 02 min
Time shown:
12 h 38 min
